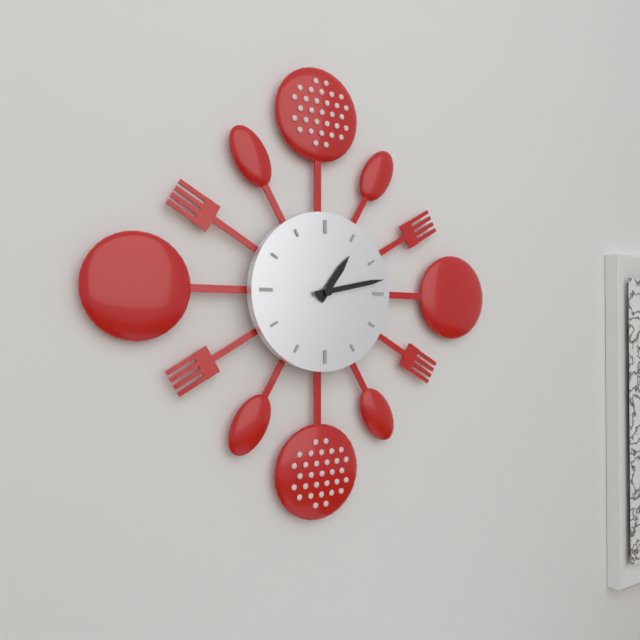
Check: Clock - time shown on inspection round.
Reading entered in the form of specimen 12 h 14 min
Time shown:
1 h 13 min
